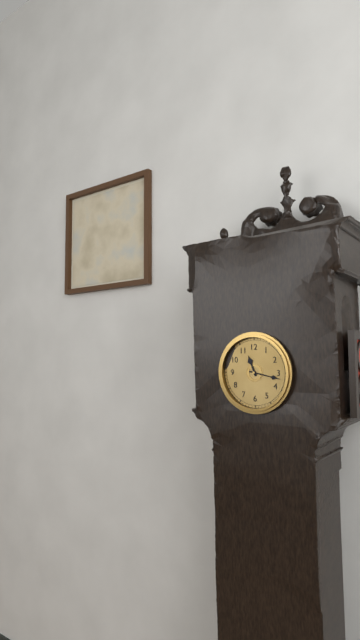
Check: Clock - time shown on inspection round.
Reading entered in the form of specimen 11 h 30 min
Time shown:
11 h 17 min
